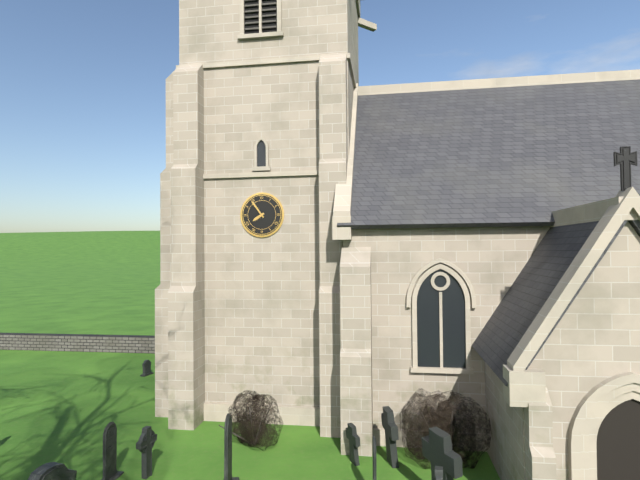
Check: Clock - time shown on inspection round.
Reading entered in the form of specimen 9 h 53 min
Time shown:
7 h 54 min
